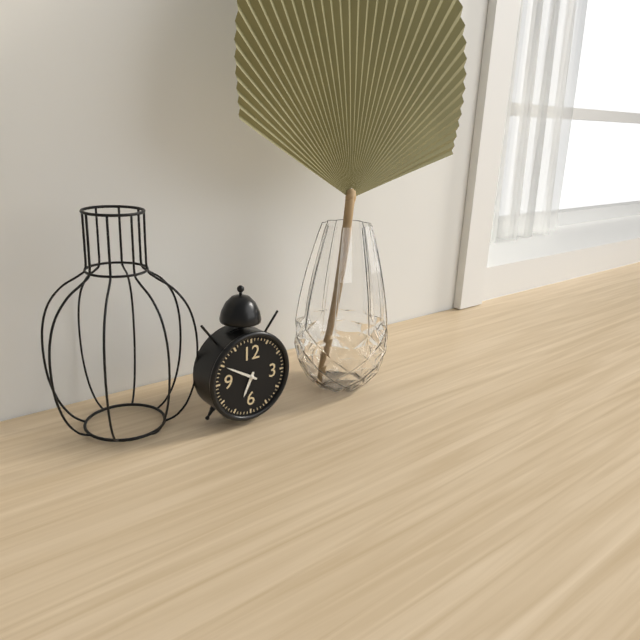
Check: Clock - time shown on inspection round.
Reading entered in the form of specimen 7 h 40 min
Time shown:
6 h 50 min
